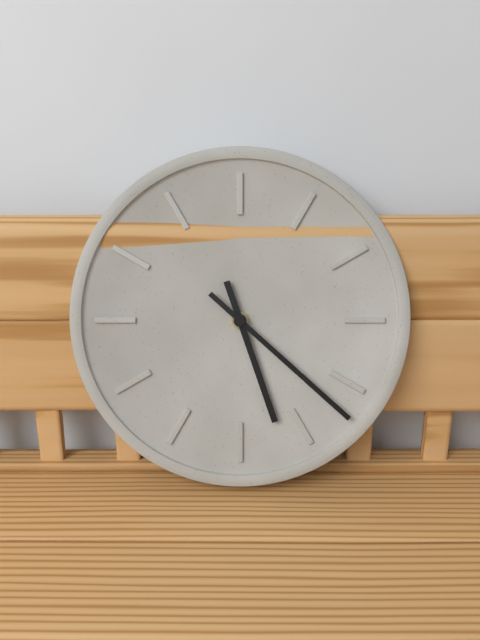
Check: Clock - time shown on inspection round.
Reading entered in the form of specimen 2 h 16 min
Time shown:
5 h 22 min
